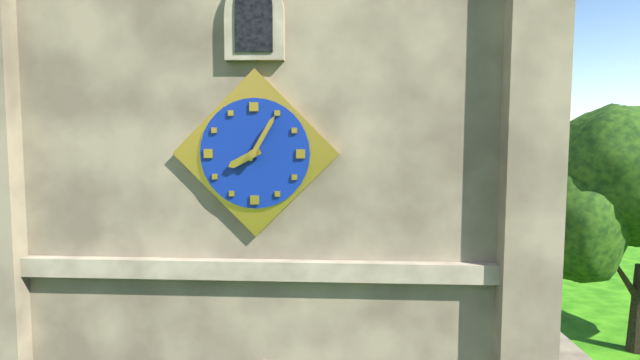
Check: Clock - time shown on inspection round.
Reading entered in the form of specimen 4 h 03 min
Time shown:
8 h 05 min
